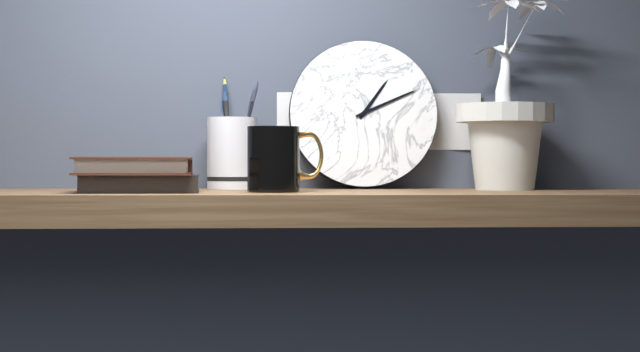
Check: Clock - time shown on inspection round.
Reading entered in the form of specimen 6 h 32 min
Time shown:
1 h 11 min
